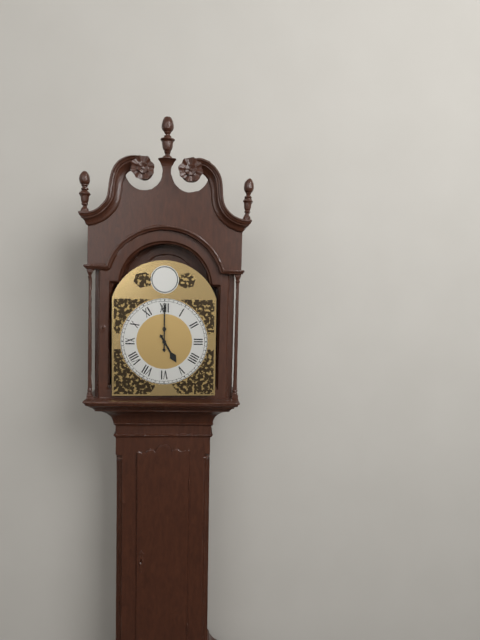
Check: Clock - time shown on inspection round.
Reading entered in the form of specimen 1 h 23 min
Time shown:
5 h 00 min
